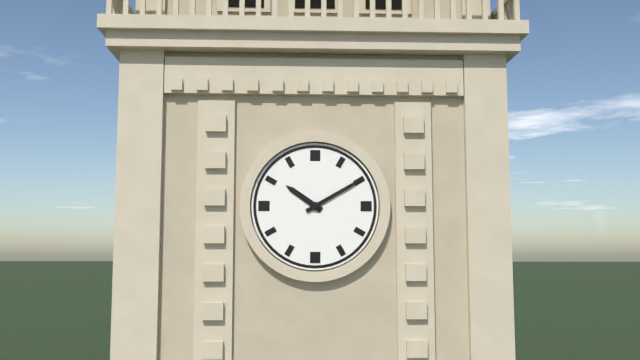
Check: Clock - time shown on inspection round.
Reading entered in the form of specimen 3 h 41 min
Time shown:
10 h 10 min
